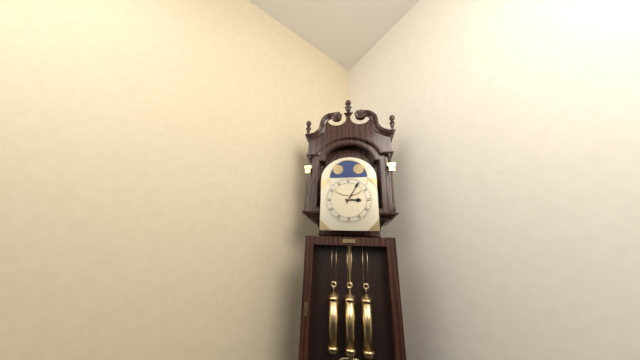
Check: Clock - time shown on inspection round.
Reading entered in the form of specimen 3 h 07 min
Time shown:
3 h 05 min
